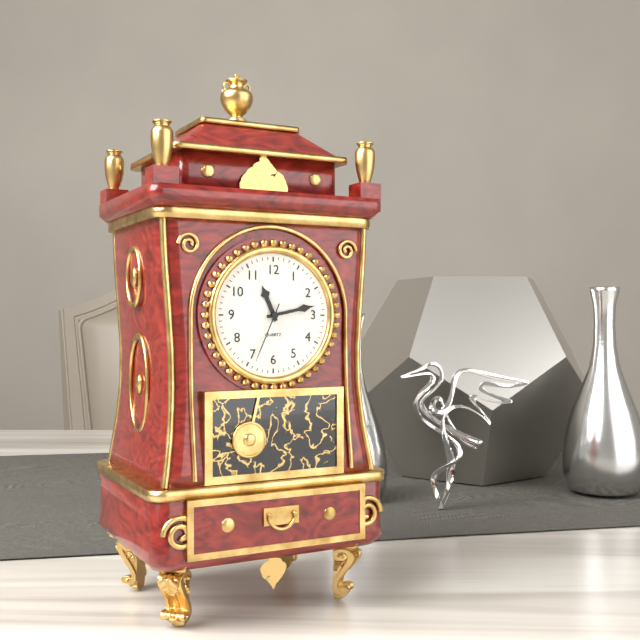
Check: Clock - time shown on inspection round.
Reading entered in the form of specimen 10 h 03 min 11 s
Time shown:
11 h 13 min 34 s
